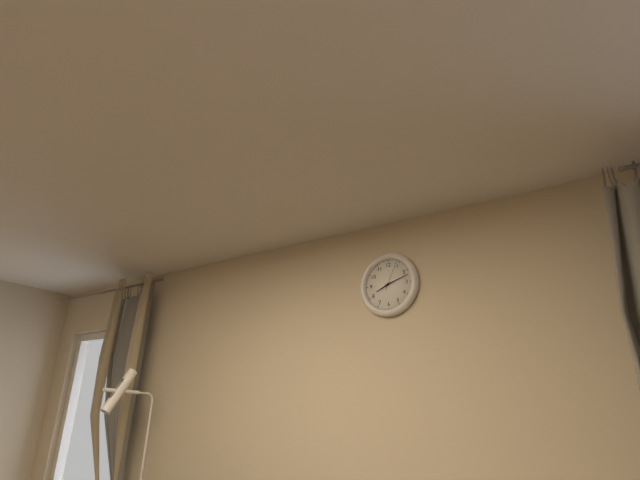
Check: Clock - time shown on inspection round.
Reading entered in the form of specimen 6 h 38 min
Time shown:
8 h 12 min
